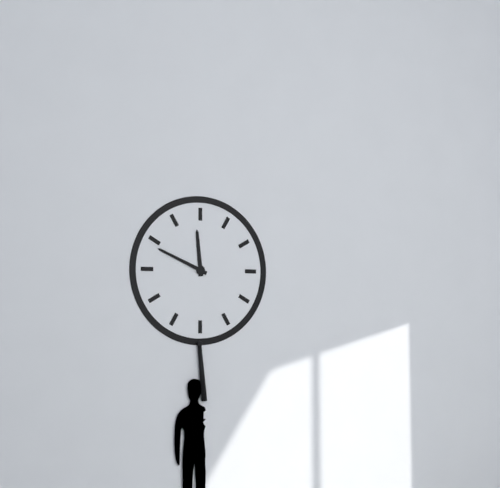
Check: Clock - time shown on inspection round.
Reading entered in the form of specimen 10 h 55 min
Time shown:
11 h 49 min
